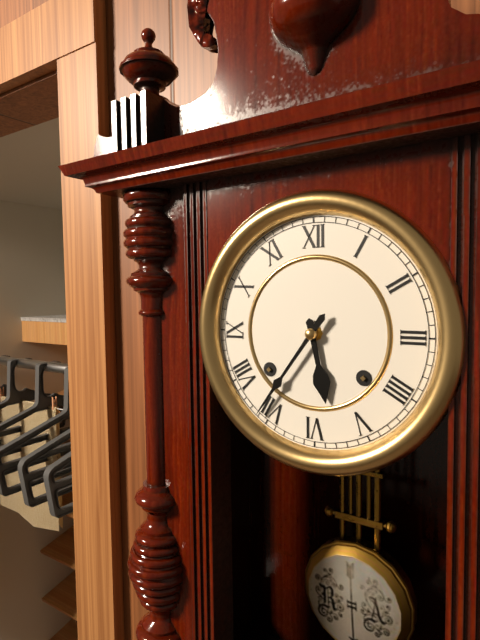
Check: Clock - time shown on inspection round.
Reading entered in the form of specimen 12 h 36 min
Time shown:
5 h 36 min
